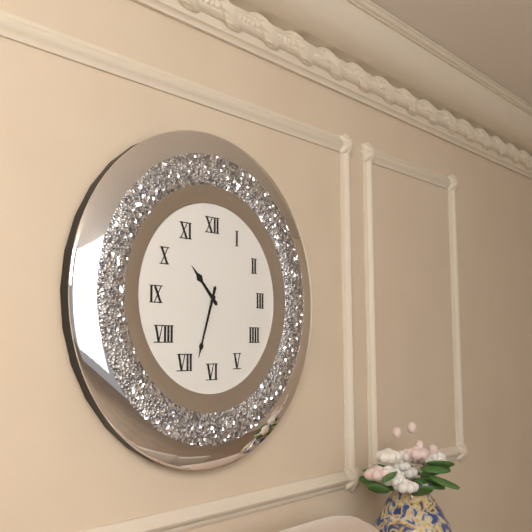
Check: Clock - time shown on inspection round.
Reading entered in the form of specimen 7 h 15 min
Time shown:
10 h 33 min
